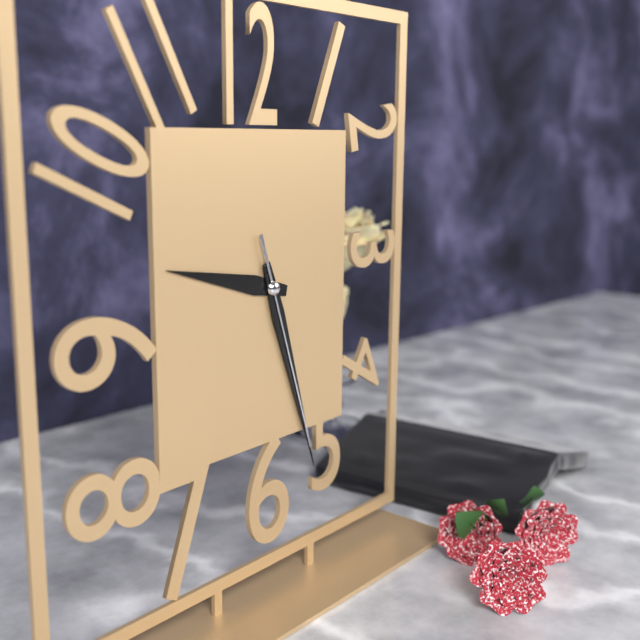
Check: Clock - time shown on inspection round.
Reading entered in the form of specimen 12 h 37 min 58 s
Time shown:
9 h 27 min 27 s
